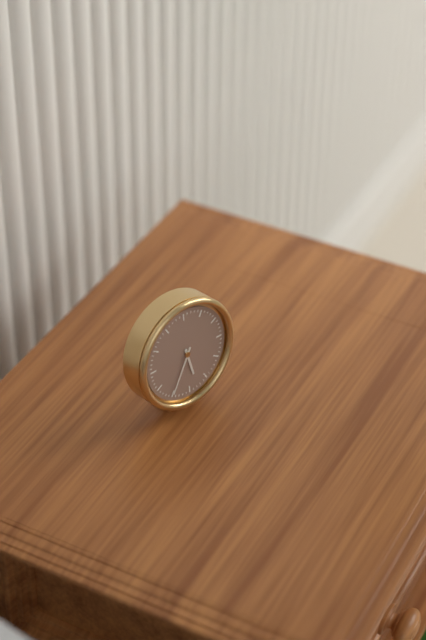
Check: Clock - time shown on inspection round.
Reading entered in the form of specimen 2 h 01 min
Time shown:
5 h 35 min
